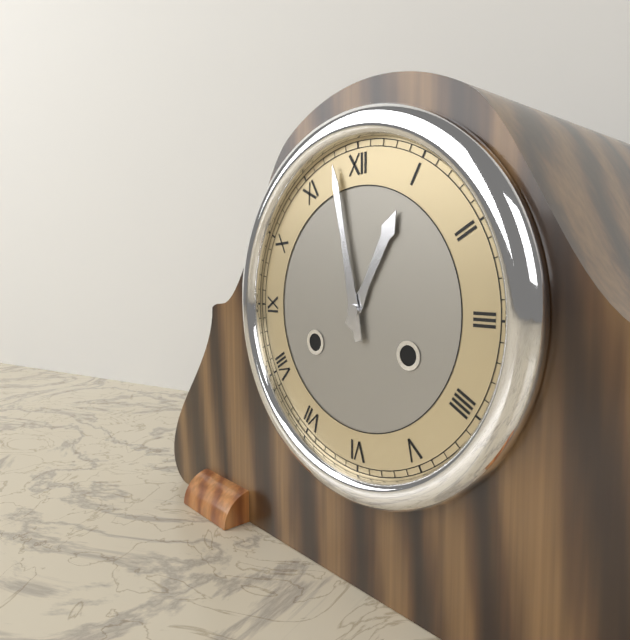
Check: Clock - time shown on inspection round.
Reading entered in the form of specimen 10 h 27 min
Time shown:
12 h 58 min
